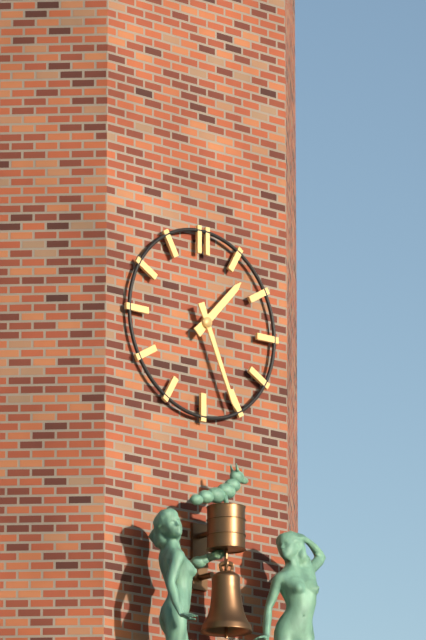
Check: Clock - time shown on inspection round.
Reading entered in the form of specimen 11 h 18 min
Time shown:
1 h 26 min
